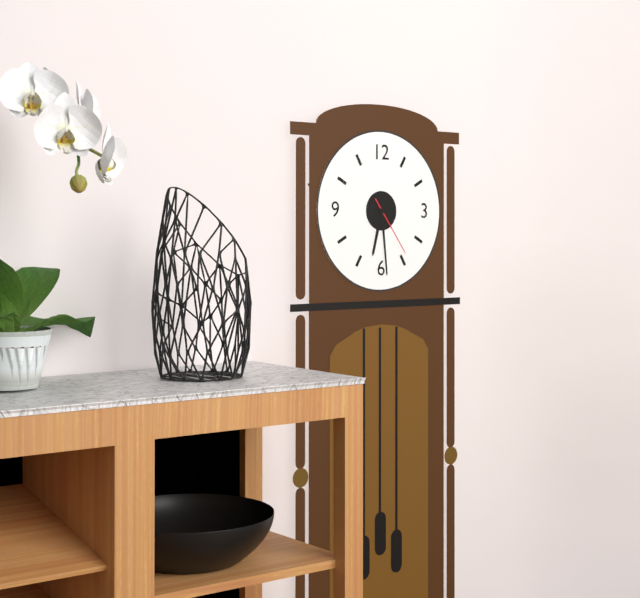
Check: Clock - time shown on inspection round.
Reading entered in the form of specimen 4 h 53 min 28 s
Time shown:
6 h 29 min 24 s
